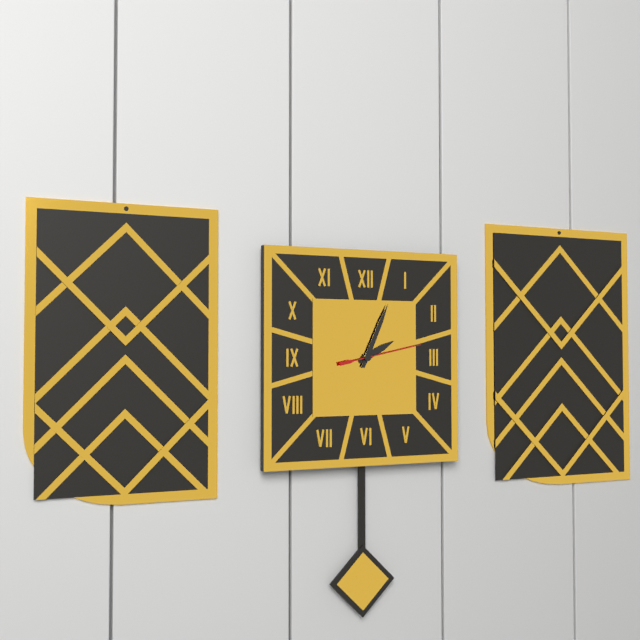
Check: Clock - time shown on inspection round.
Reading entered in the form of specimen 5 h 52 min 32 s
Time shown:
2 h 04 min 13 s
